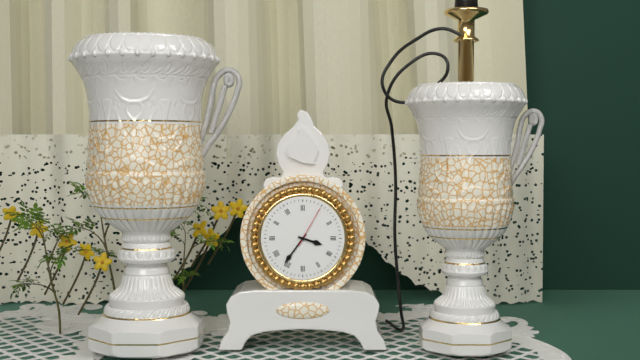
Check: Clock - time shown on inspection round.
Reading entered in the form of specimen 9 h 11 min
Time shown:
3 h 36 min
